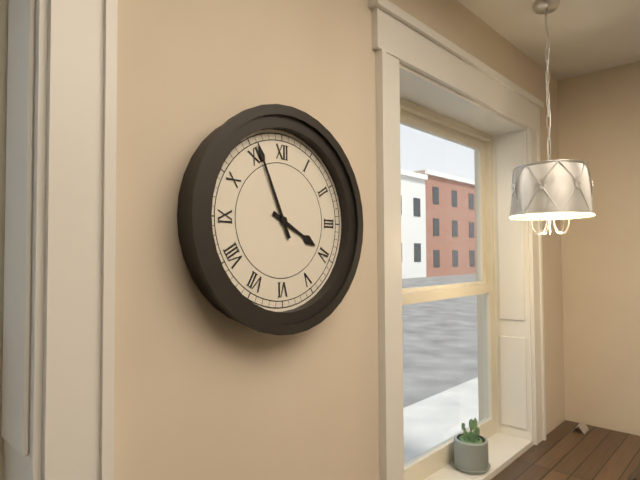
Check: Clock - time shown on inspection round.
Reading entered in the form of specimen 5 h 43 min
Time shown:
3 h 56 min
